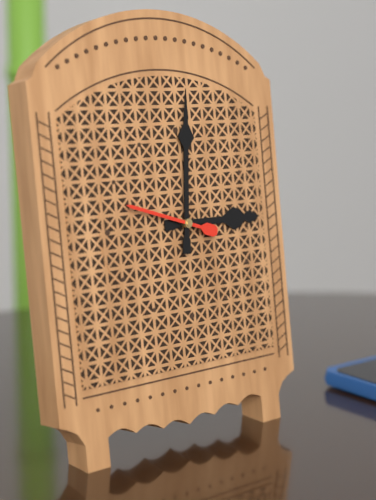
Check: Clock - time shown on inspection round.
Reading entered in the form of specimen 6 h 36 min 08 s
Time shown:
3 h 01 min 48 s
